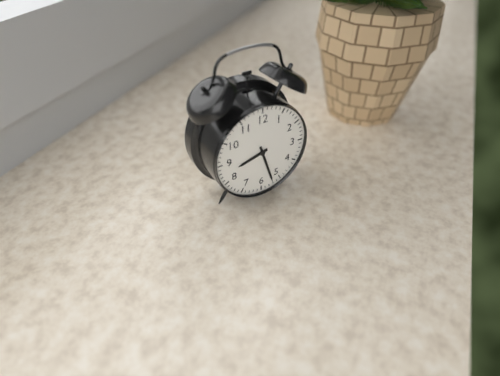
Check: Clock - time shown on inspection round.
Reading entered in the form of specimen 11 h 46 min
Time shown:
8 h 27 min
